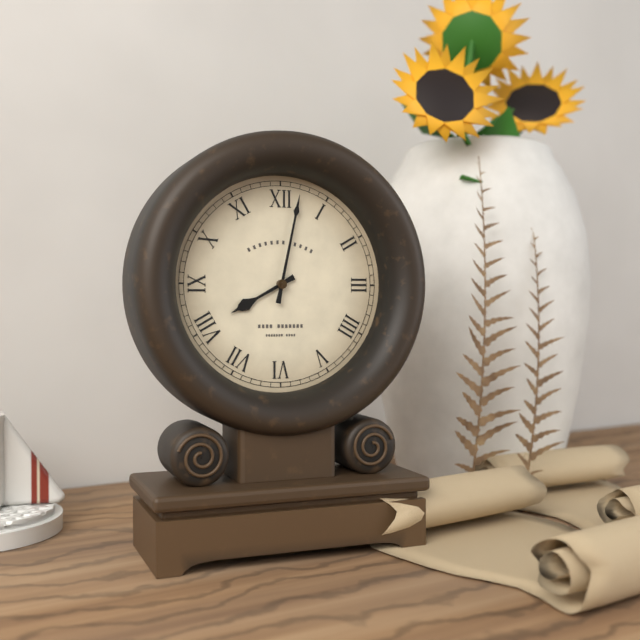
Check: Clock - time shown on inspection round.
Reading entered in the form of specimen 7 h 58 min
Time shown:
8 h 02 min
